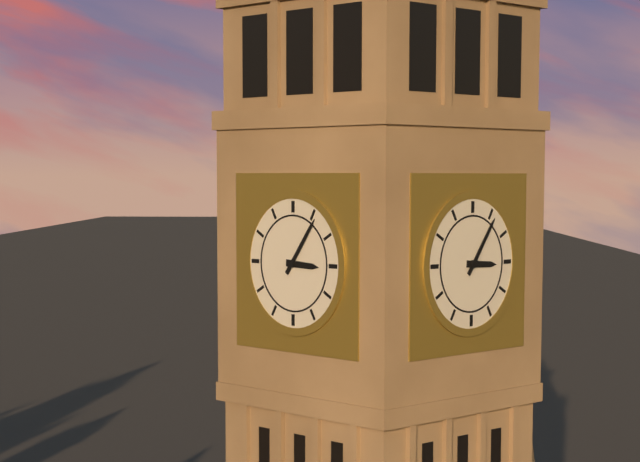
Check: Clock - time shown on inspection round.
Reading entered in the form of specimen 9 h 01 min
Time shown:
3 h 06 min
